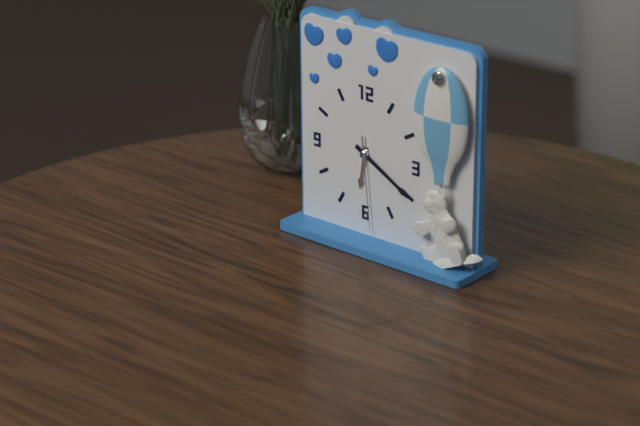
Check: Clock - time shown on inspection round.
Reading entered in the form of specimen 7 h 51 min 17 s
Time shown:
6 h 20 min 29 s
